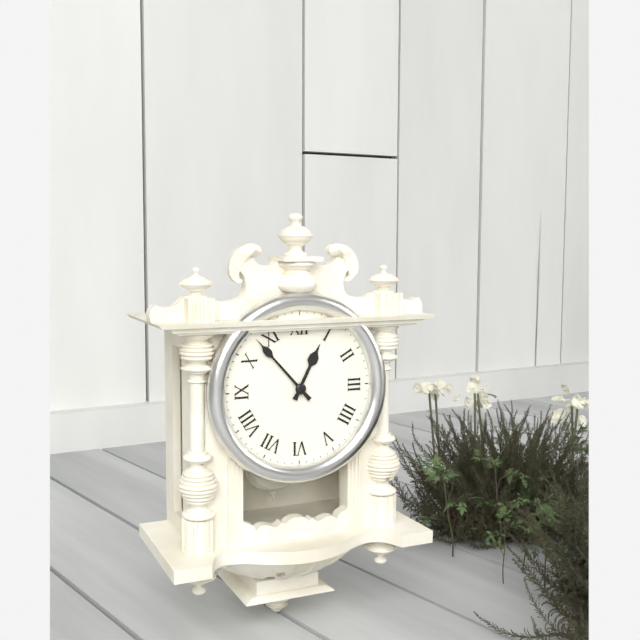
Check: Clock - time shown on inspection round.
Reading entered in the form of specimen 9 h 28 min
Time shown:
12 h 53 min
